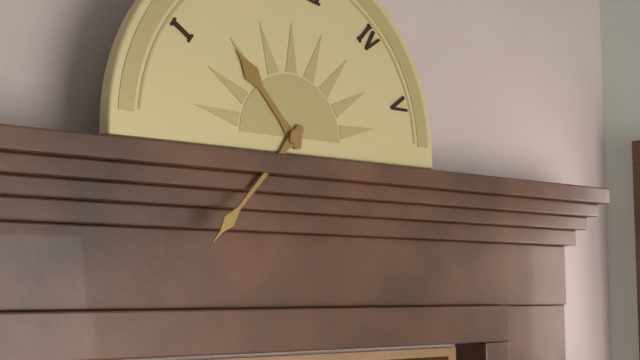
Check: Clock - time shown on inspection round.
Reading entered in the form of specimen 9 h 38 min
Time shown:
10 h 37 min
